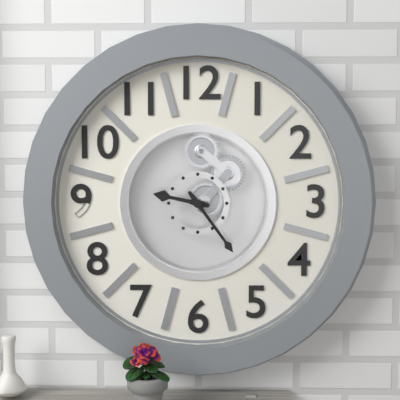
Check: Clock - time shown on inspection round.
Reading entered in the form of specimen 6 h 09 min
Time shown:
9 h 24 min
